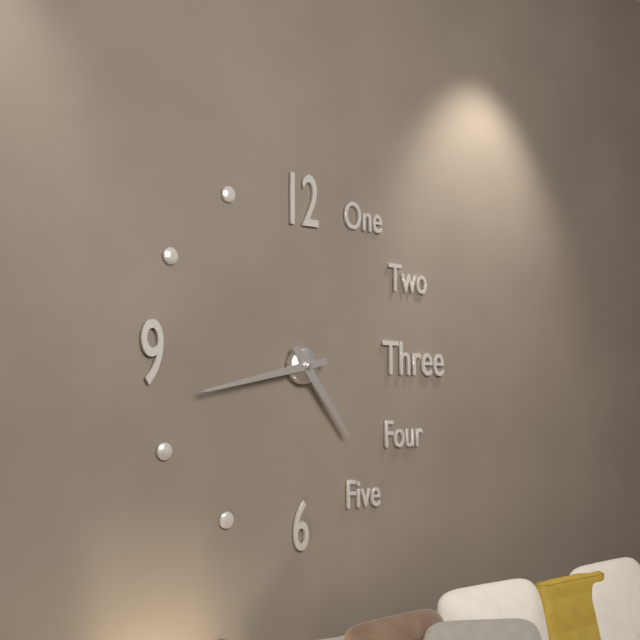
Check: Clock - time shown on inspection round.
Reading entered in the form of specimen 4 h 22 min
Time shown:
4 h 43 min
